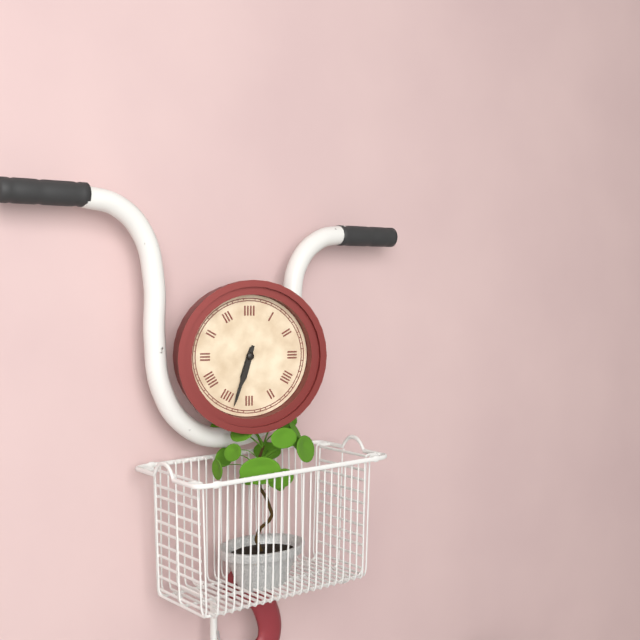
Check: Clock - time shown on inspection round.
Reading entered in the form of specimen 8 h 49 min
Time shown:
6 h 33 min
